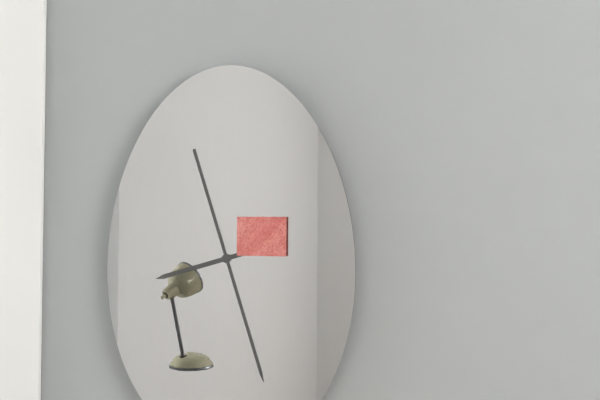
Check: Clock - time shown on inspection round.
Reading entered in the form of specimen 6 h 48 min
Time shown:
8 h 27 min
